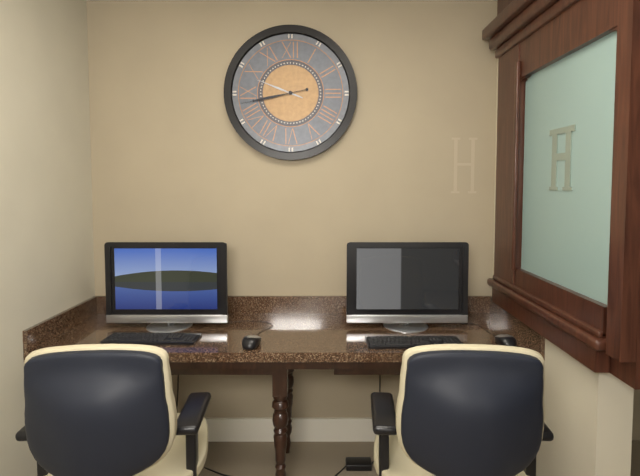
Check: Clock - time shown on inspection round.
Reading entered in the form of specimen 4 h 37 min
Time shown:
9 h 43 min
